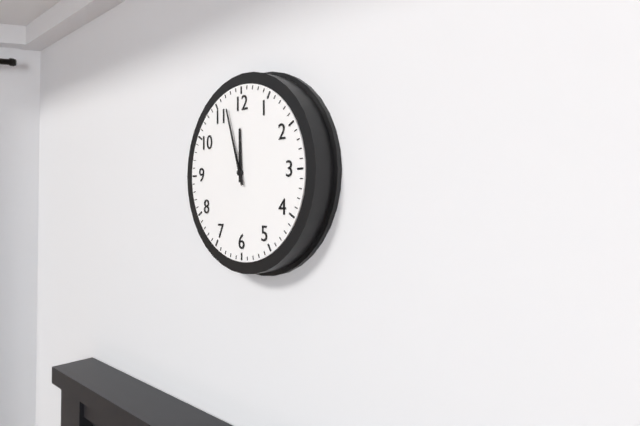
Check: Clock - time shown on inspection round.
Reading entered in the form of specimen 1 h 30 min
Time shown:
11 h 57 min
